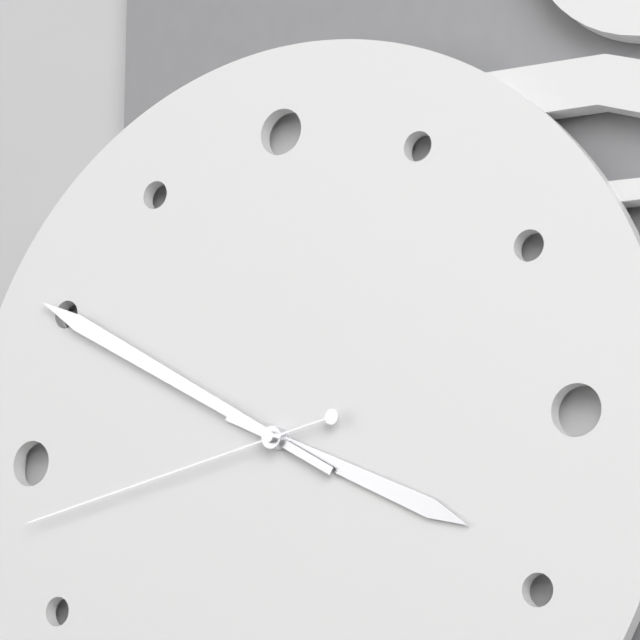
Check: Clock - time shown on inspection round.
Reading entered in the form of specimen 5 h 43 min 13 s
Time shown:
3 h 50 min 43 s
